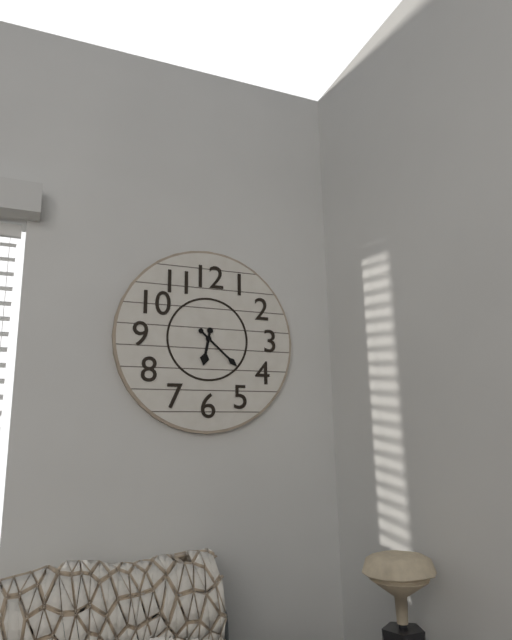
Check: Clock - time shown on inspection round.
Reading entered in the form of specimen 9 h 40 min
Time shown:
6 h 22 min
